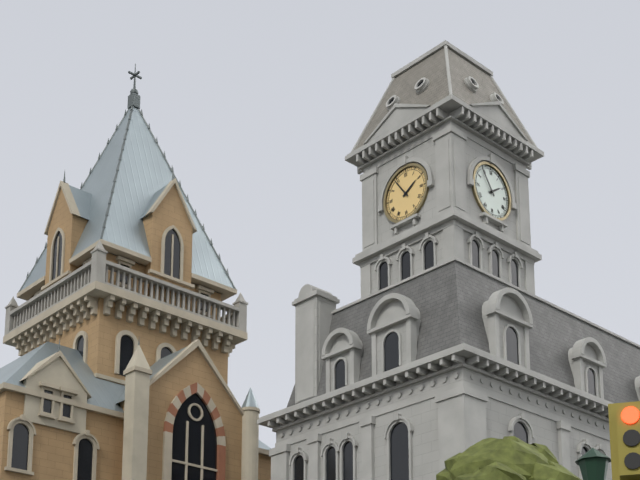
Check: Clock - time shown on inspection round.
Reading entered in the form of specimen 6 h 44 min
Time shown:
1 h 54 min
